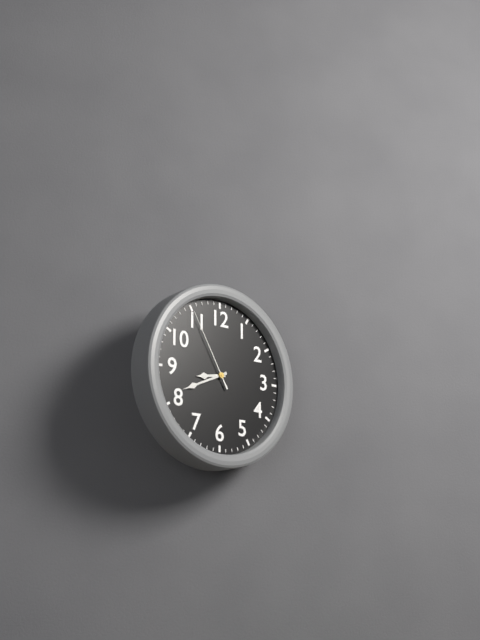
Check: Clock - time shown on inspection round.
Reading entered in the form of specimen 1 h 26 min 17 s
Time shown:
8 h 41 min 55 s
